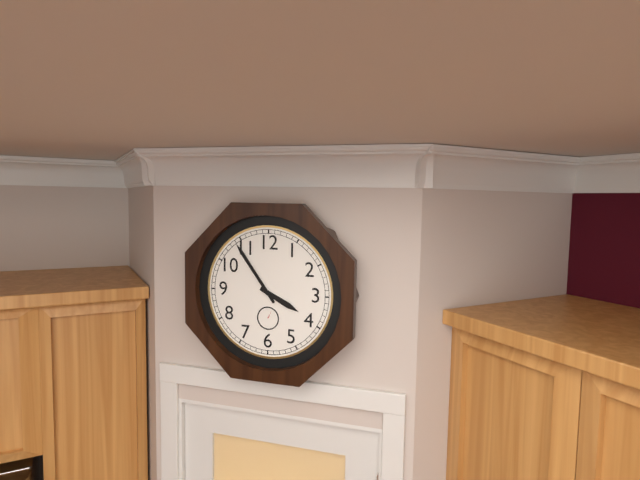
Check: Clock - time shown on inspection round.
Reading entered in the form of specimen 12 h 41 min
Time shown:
3 h 54 min
